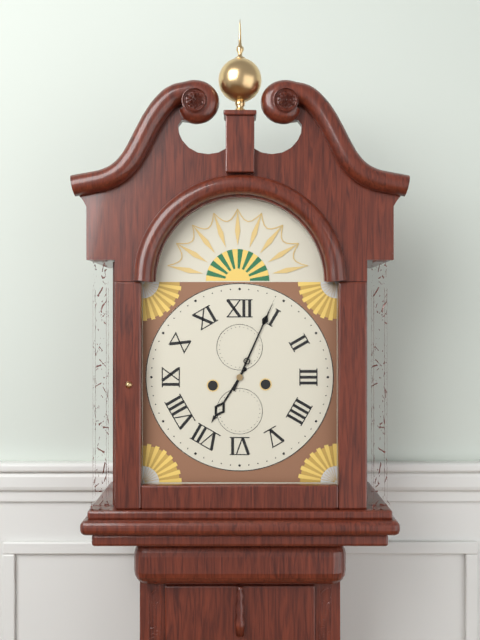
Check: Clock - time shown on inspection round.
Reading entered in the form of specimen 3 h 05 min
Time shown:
7 h 04 min
